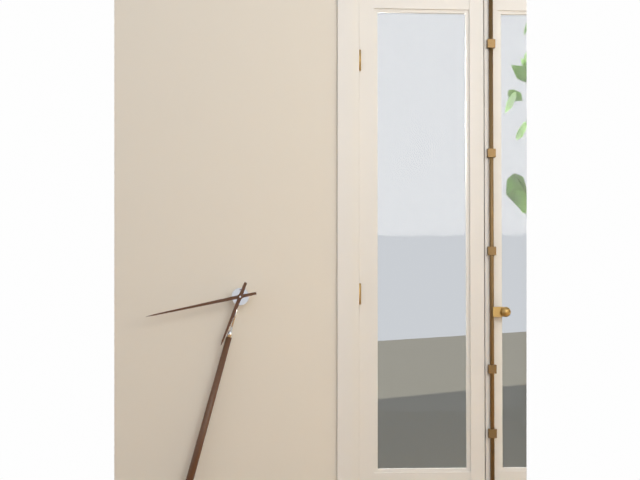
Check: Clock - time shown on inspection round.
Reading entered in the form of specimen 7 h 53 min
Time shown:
6 h 43 min
